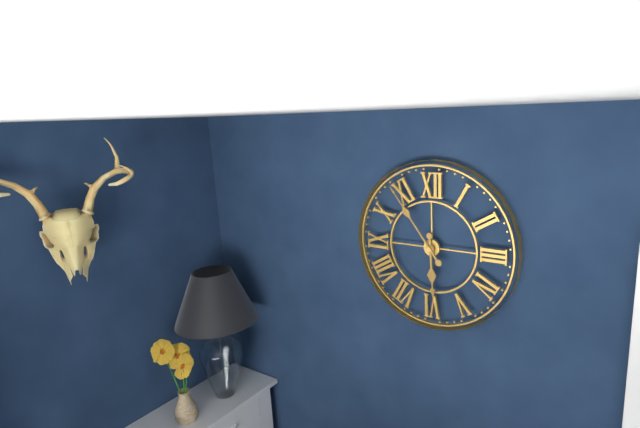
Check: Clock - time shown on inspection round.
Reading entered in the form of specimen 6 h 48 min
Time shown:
5 h 54 min
